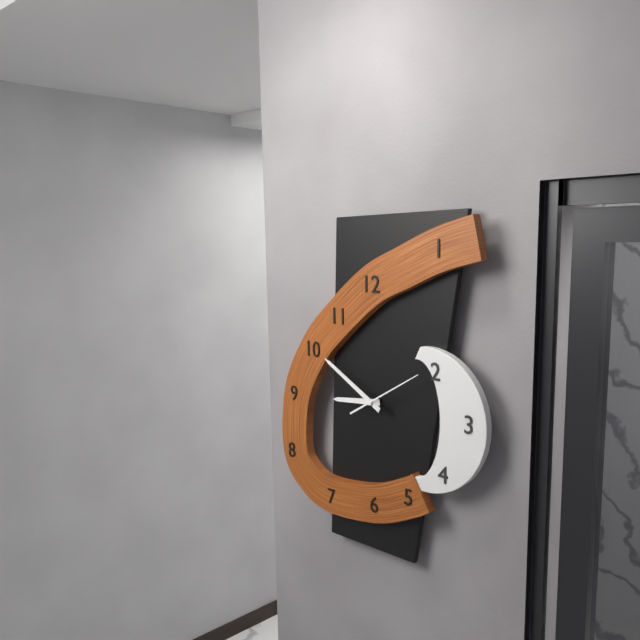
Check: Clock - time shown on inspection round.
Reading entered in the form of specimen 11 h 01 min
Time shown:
8 h 50 min
